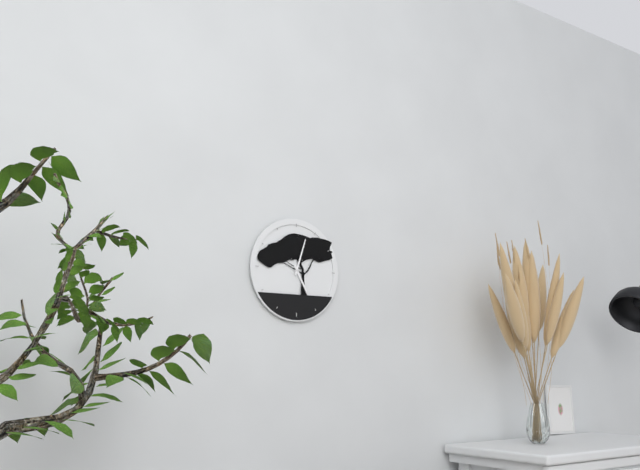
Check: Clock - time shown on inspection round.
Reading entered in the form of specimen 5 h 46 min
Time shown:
5 h 03 min
